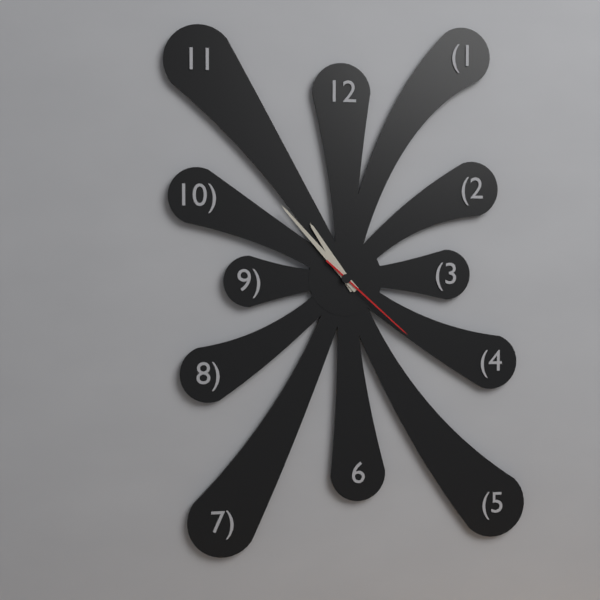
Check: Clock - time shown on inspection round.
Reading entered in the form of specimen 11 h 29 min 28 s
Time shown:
10 h 53 min 22 s
